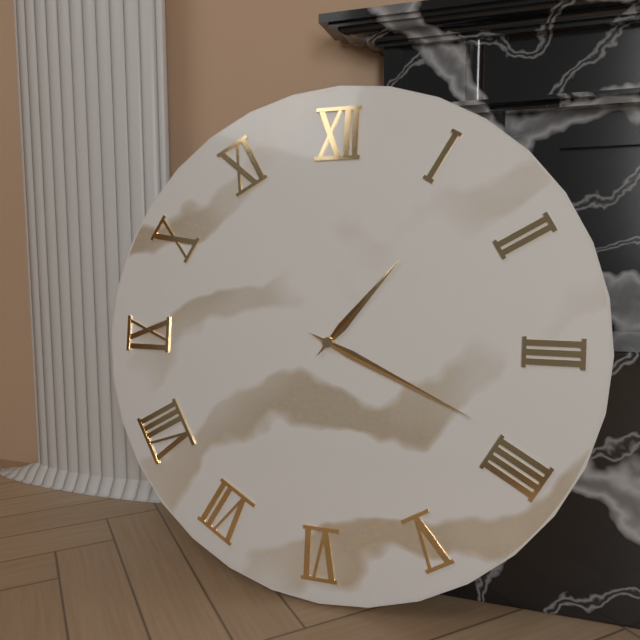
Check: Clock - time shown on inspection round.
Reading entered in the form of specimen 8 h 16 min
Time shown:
1 h 19 min
